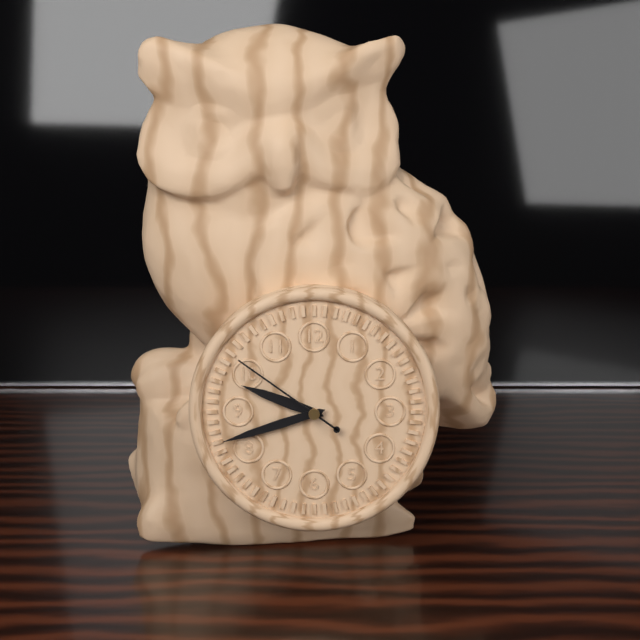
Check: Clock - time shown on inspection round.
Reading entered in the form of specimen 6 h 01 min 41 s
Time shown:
9 h 42 min 51 s
